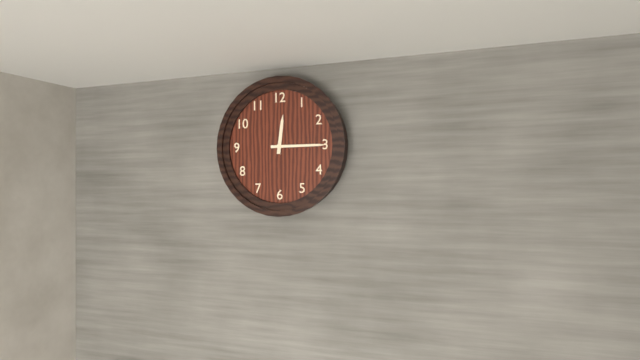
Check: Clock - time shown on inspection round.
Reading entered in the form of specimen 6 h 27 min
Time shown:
12 h 15 min
